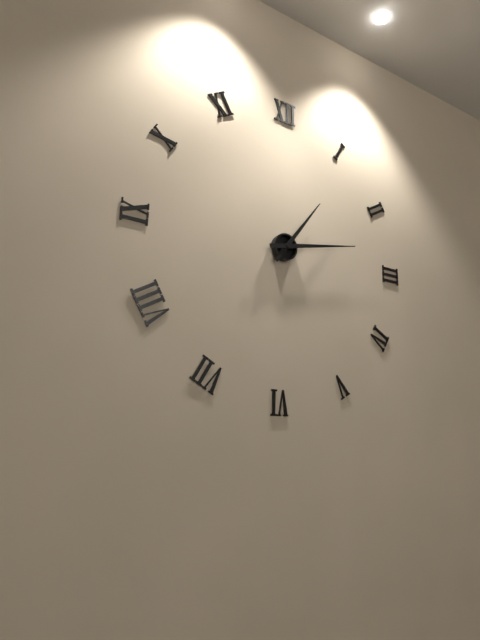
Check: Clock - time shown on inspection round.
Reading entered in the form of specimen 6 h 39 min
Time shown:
1 h 13 min
